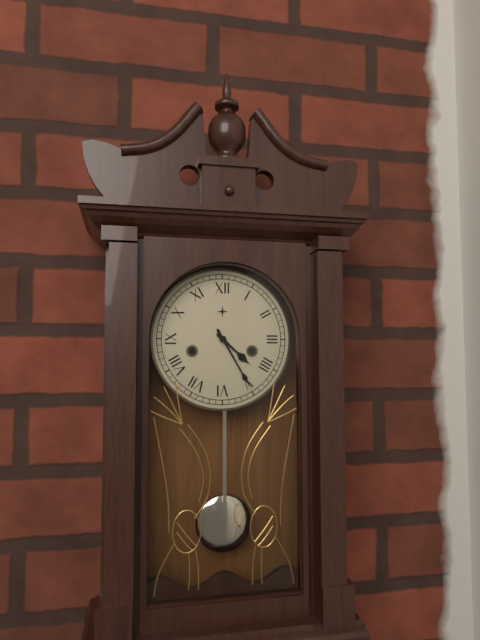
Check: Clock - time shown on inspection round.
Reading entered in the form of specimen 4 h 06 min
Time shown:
4 h 25 min
